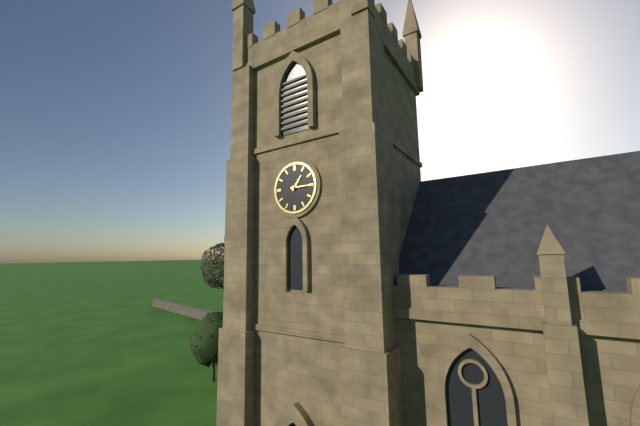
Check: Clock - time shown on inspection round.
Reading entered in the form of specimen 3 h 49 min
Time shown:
1 h 15 min
